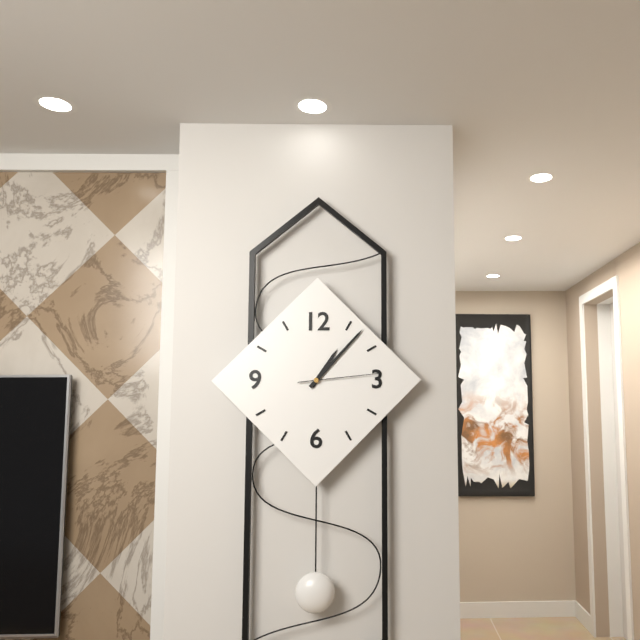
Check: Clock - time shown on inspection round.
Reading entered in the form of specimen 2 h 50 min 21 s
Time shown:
1 h 07 min 14 s
